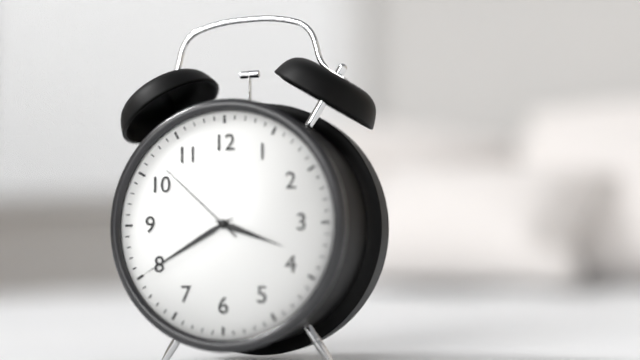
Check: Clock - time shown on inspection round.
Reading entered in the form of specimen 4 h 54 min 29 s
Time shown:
3 h 40 min 52 s
